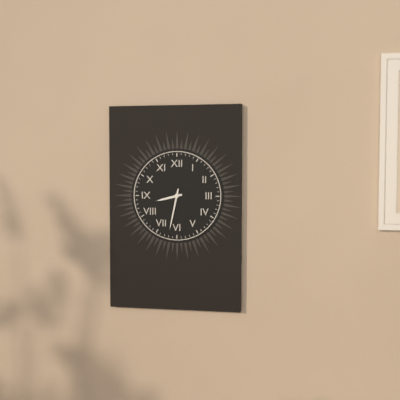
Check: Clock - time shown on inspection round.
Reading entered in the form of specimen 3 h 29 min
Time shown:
8 h 32 min
